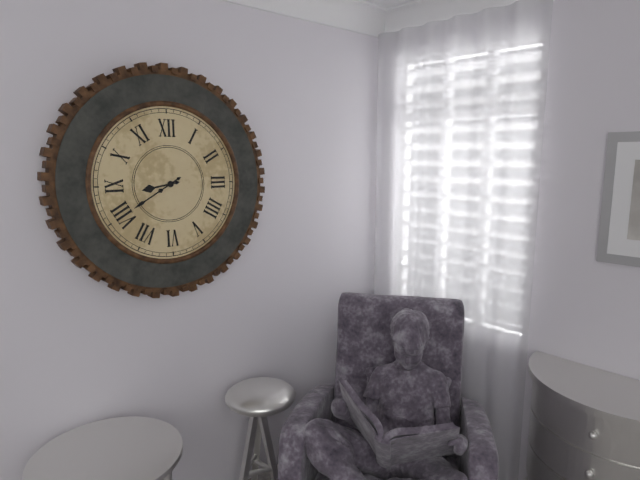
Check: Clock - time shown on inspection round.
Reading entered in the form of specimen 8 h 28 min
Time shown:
8 h 40 min
